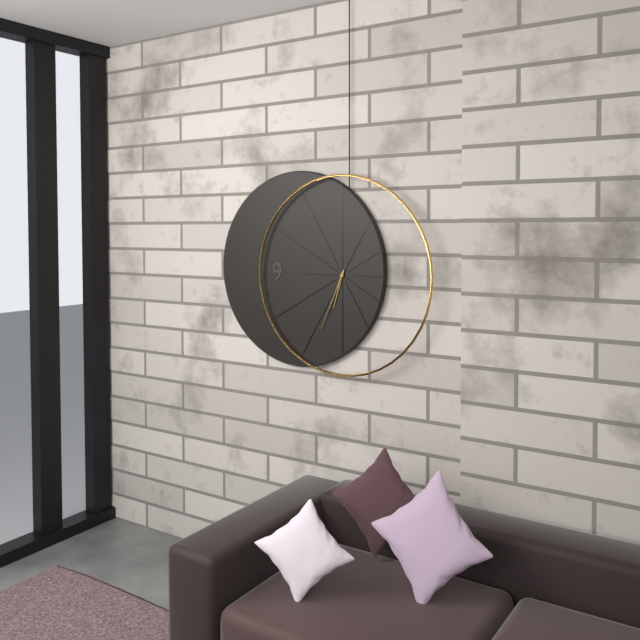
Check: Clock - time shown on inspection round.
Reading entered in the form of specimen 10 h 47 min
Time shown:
6 h 34 min
